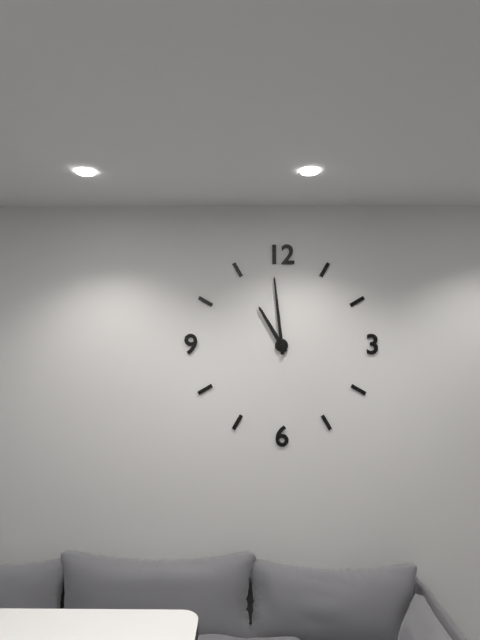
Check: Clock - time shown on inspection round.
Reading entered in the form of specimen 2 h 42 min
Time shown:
10 h 59 min
